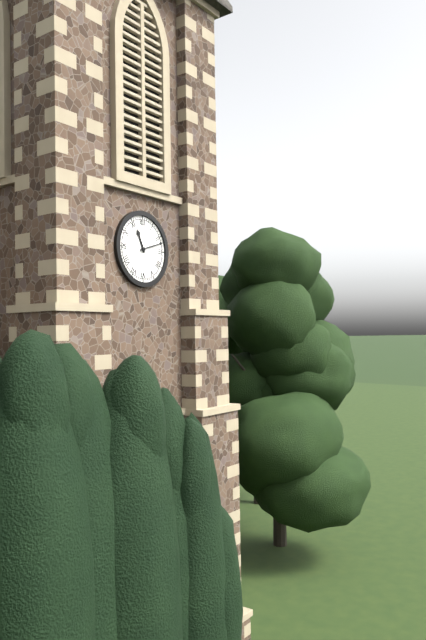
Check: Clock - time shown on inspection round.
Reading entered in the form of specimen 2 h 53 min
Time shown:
11 h 12 min
